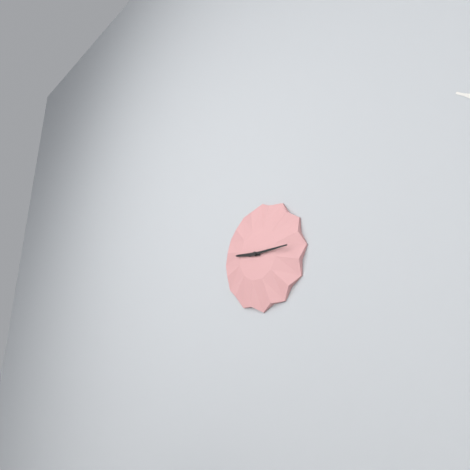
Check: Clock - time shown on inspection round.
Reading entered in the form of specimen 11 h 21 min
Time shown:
9 h 15 min
